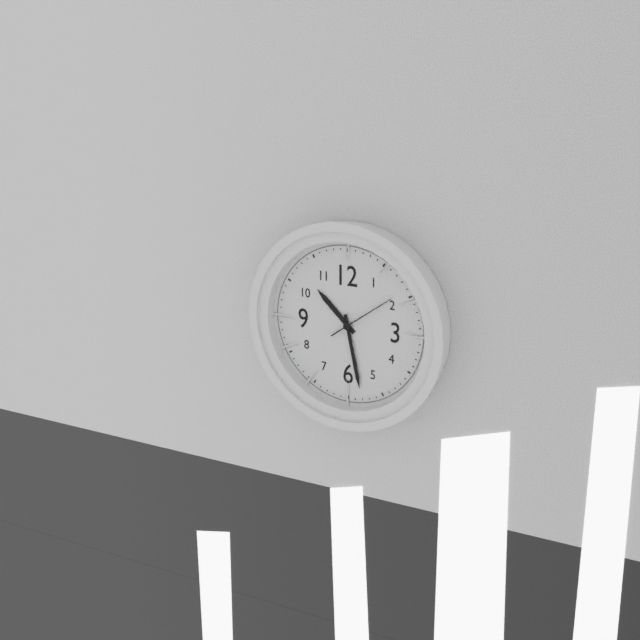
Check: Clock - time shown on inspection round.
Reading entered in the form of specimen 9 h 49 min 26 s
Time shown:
10 h 28 min 09 s
